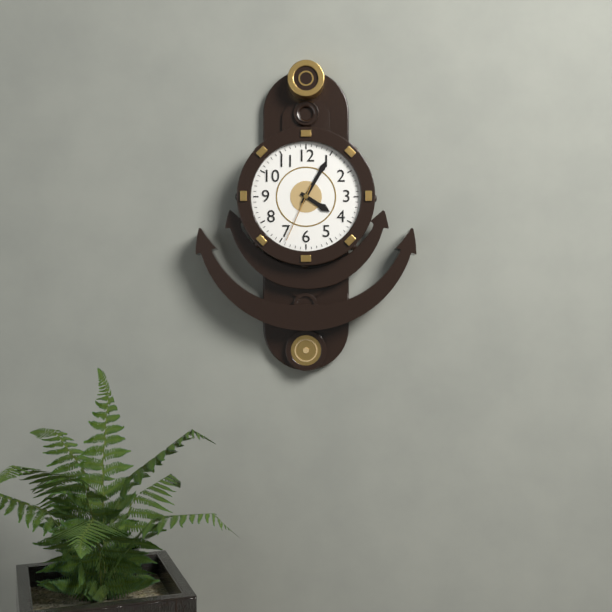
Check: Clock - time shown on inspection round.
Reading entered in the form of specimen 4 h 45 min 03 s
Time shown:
4 h 05 min 34 s
